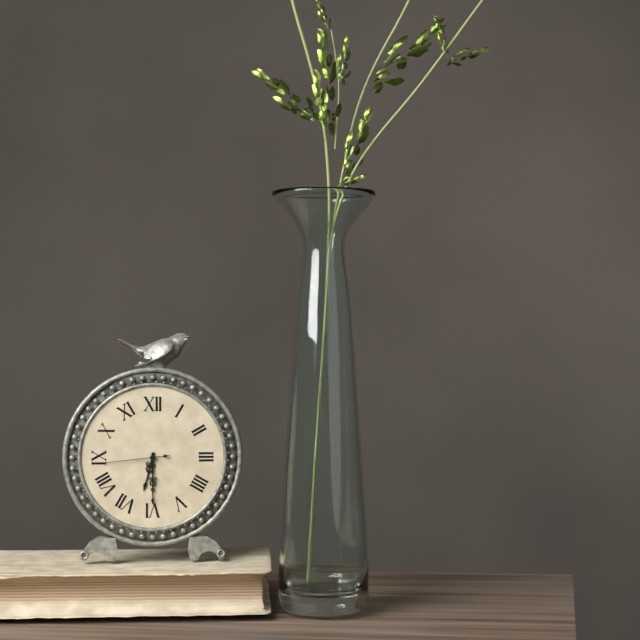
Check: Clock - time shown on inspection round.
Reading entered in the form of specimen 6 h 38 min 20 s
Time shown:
6 h 30 min 44 s
